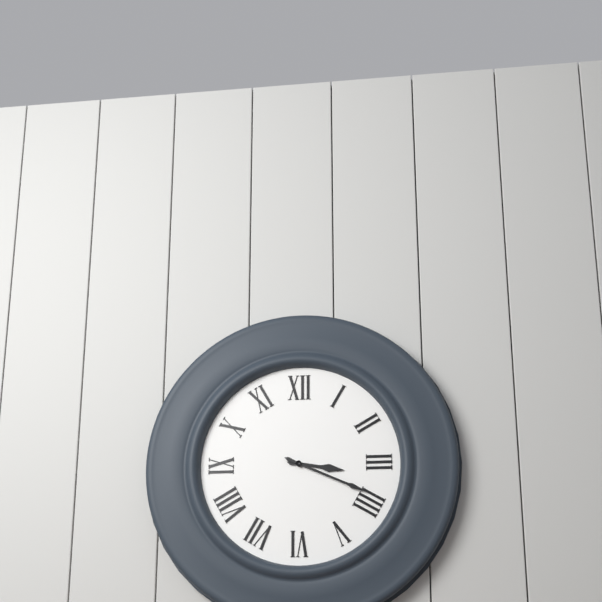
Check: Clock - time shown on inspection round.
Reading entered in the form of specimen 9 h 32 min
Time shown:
3 h 19 min
